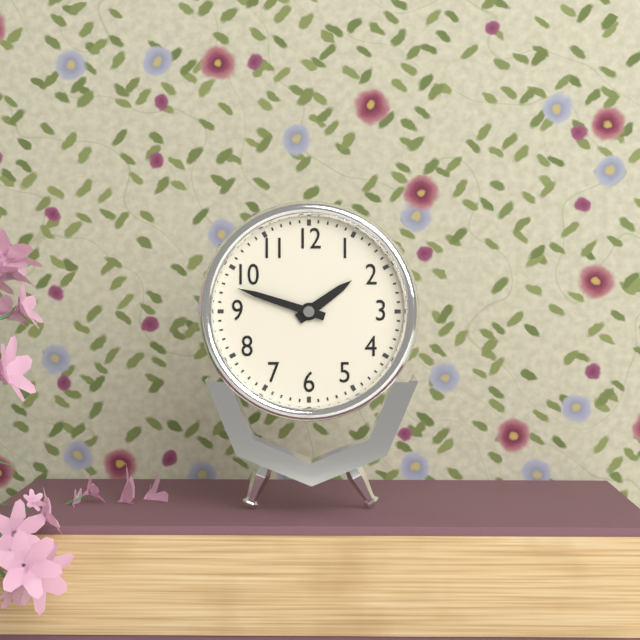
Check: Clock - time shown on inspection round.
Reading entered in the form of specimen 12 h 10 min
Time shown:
1 h 48 min
